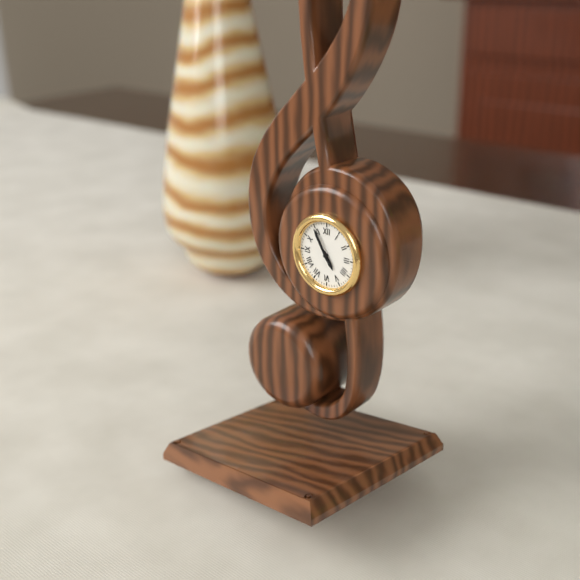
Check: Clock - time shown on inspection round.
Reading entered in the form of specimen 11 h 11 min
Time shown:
4 h 55 min
